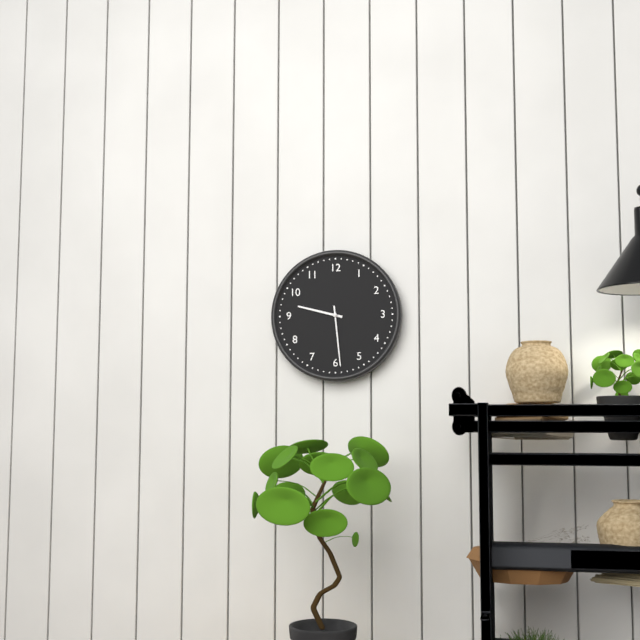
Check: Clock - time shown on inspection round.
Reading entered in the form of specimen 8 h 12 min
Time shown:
9 h 29 min
